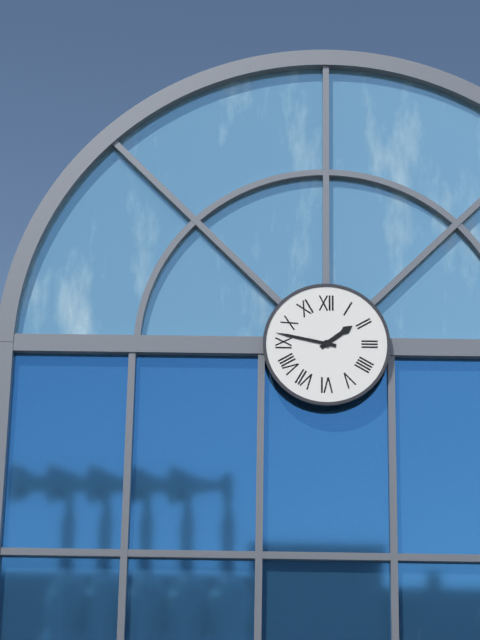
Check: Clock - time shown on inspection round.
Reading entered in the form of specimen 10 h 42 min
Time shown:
1 h 47 min
